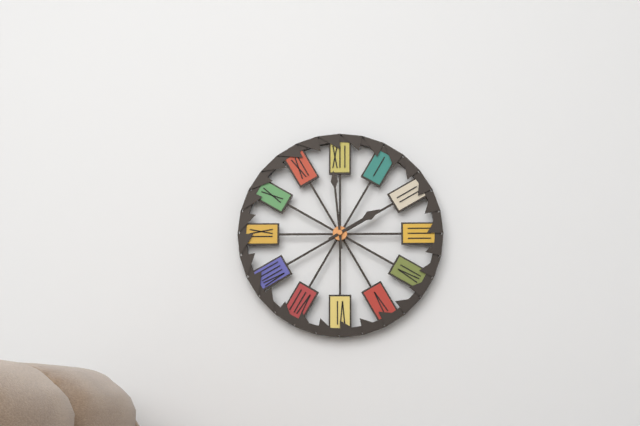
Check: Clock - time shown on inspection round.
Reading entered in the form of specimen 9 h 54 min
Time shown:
1 h 59 min
